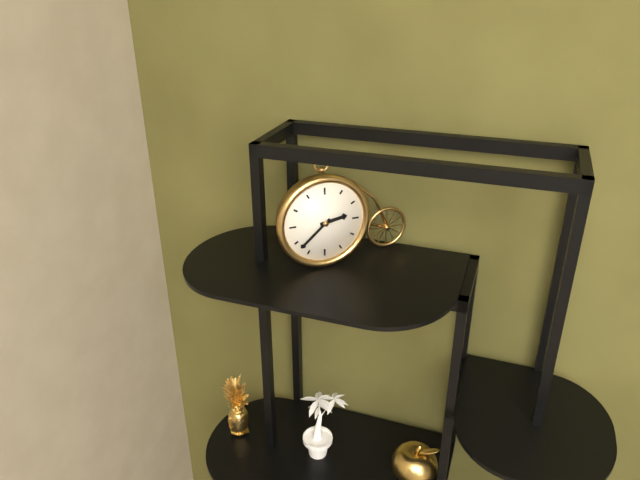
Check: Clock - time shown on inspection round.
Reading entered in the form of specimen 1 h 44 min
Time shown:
2 h 38 min
